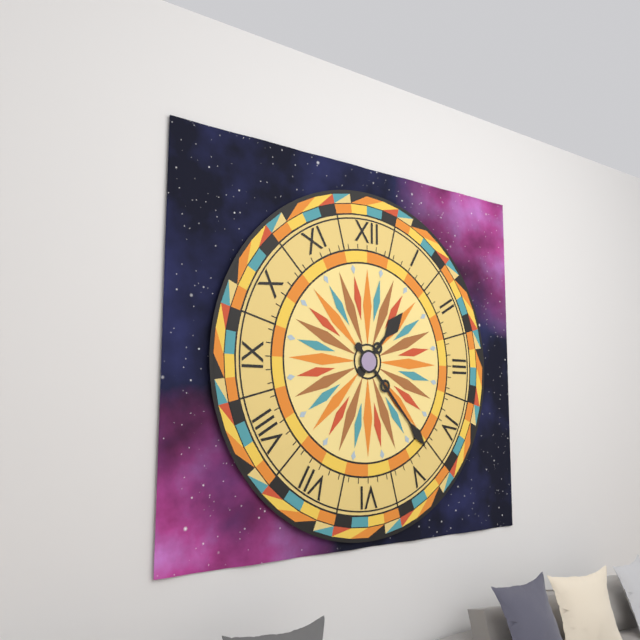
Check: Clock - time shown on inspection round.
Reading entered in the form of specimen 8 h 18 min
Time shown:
1 h 23 min
